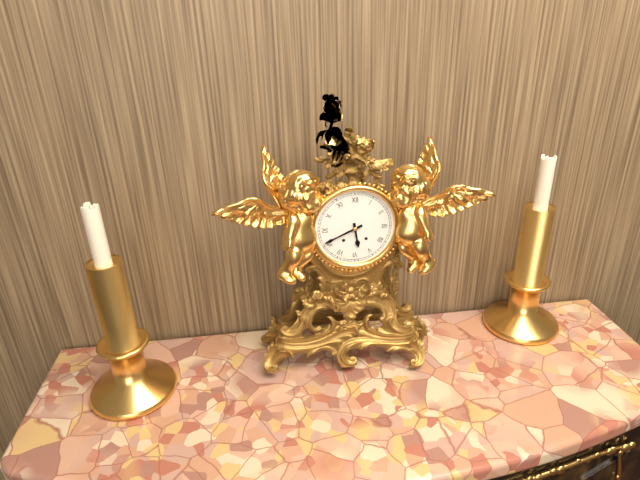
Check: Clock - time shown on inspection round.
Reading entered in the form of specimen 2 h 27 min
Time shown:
5 h 41 min
